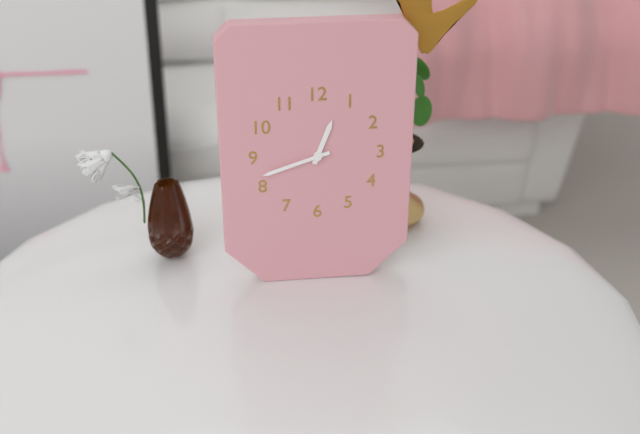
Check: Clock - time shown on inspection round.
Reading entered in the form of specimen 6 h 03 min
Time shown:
12 h 42 min
